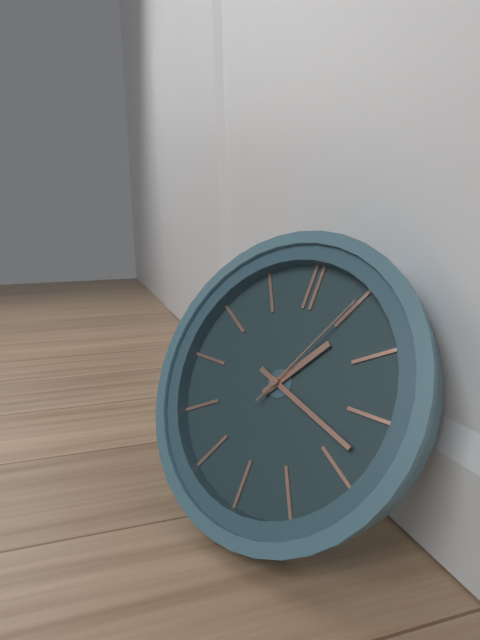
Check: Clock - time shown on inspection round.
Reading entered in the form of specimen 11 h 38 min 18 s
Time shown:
1 h 18 min 05 s
